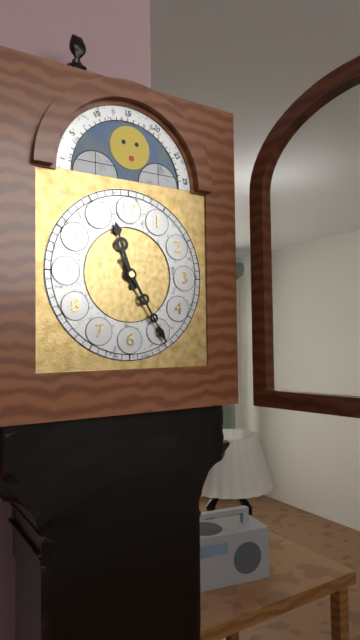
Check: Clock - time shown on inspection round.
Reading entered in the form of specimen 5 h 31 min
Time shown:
11 h 25 min
